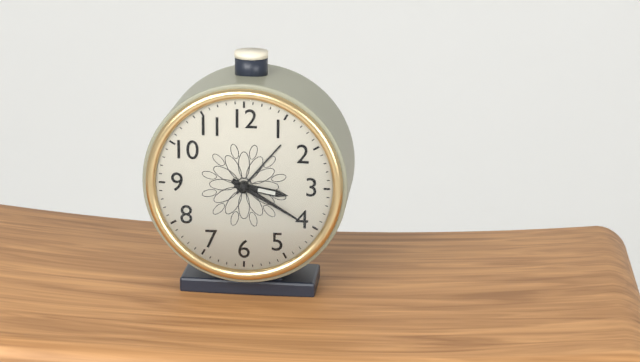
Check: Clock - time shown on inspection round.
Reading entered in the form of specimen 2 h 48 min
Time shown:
3 h 20 min
